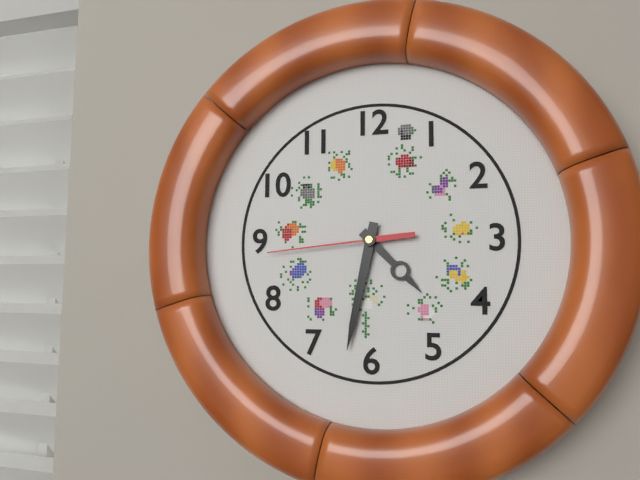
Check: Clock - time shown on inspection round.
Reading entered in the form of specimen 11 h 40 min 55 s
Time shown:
4 h 32 min 44 s
